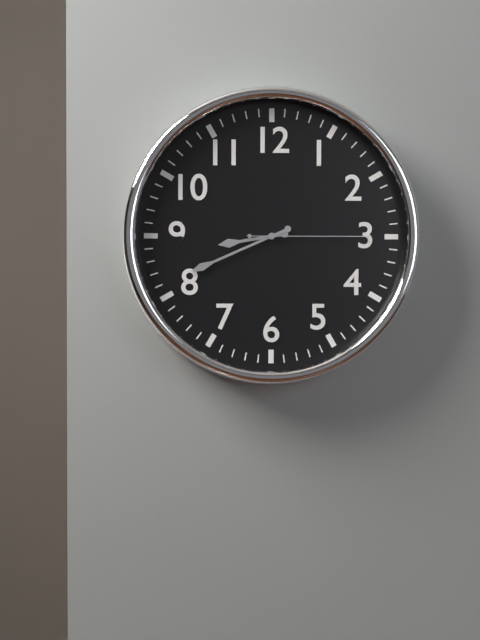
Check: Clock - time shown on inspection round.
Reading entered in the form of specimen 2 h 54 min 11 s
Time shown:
8 h 41 min 15 s
